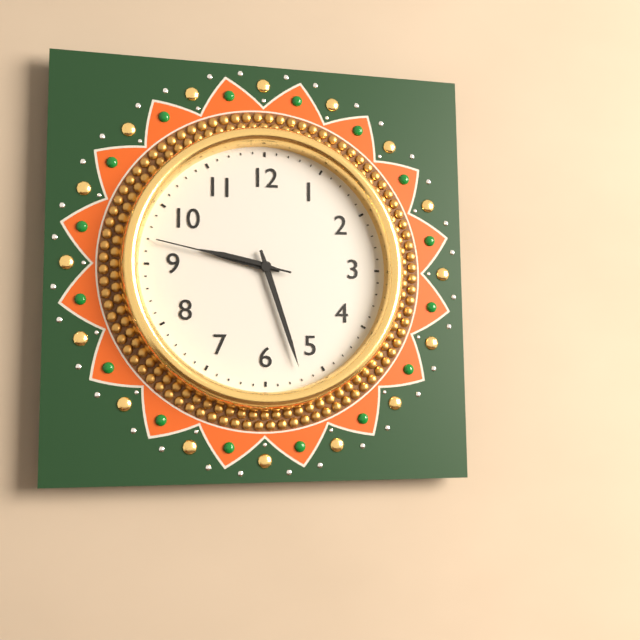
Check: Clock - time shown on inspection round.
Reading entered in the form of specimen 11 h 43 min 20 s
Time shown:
9 h 27 min 47 s
